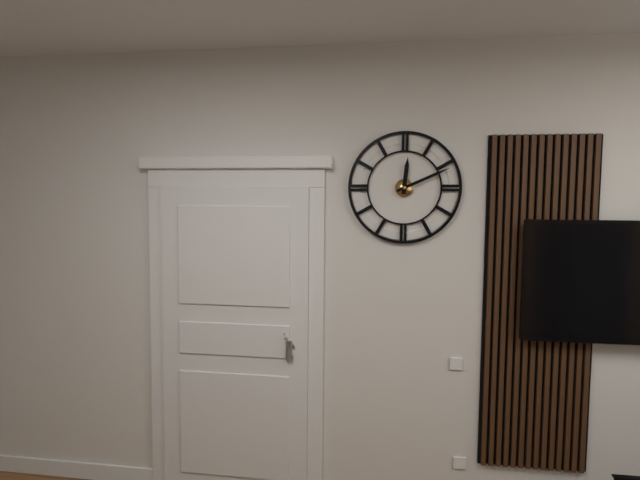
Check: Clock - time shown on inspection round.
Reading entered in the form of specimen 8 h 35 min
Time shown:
12 h 11 min
